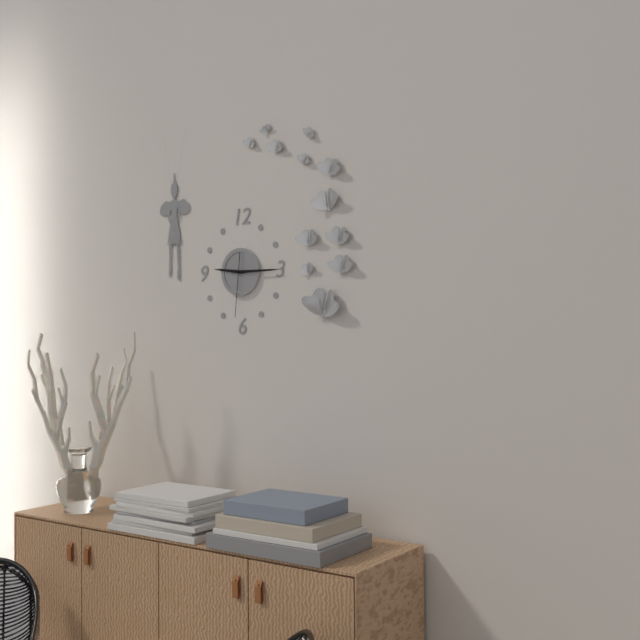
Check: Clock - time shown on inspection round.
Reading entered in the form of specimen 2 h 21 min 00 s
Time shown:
9 h 15 min 31 s
